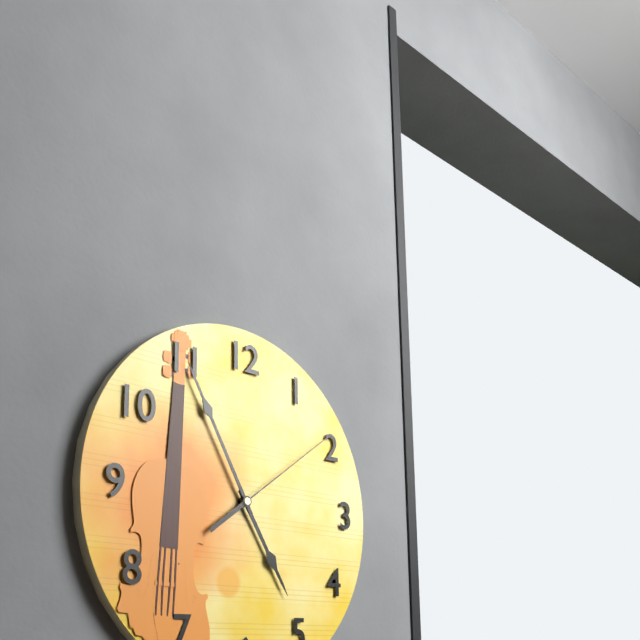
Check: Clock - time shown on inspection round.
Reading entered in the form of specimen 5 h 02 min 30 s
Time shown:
4 h 55 min 09 s
